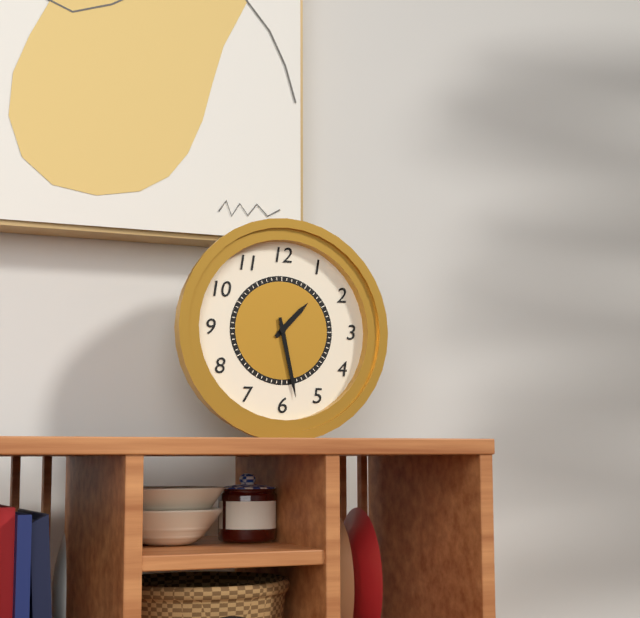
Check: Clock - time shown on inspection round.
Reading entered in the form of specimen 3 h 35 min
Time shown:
1 h 28 min
